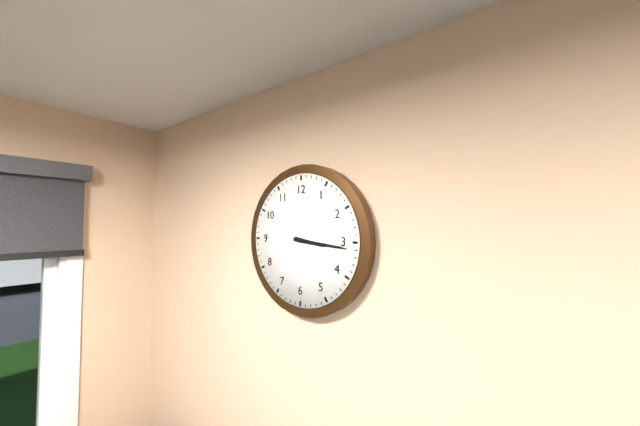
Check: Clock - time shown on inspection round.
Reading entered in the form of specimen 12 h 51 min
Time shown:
3 h 16 min
